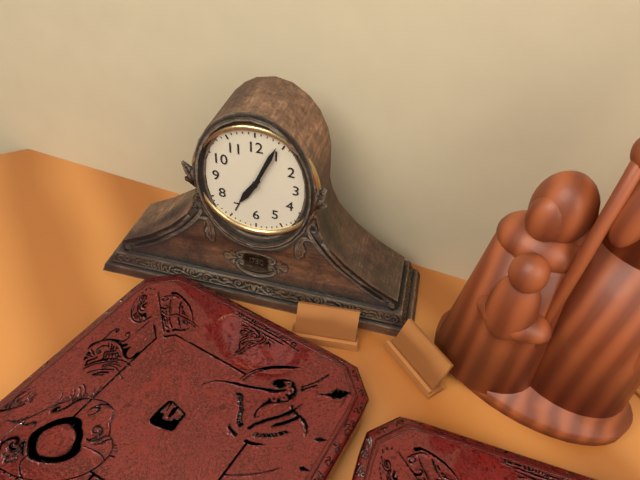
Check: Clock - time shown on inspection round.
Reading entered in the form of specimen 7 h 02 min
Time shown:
7 h 04 min
